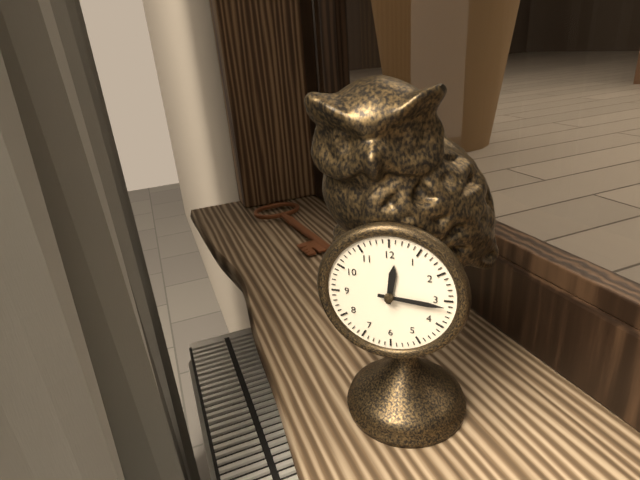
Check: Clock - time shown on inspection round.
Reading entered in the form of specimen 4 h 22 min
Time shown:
12 h 16 min
